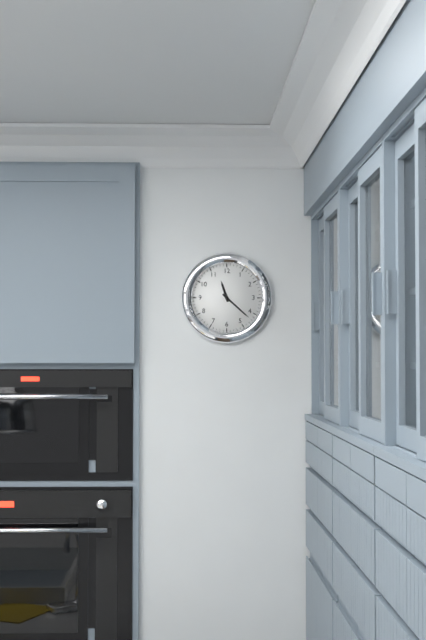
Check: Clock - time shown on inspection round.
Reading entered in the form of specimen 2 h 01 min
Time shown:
11 h 22 min
